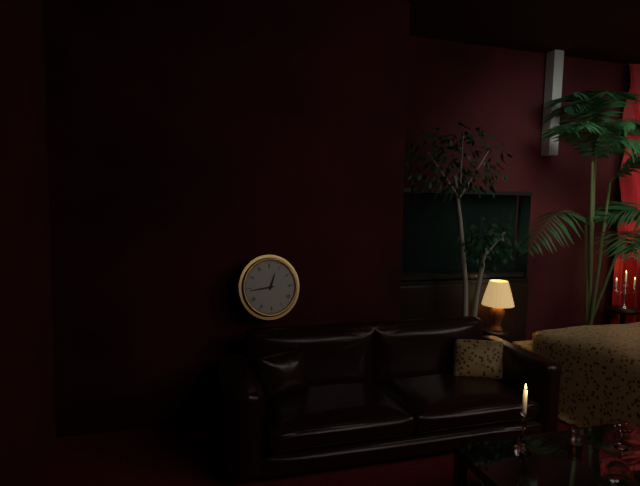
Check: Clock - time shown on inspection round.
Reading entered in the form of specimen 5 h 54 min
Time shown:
12 h 44 min
